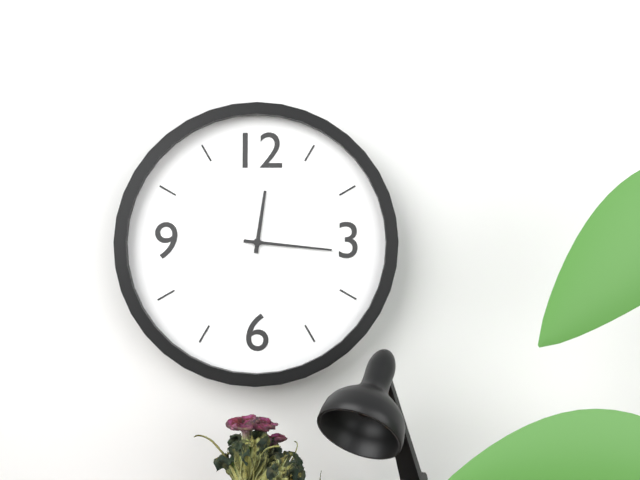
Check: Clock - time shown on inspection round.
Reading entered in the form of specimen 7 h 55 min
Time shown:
12 h 16 min
